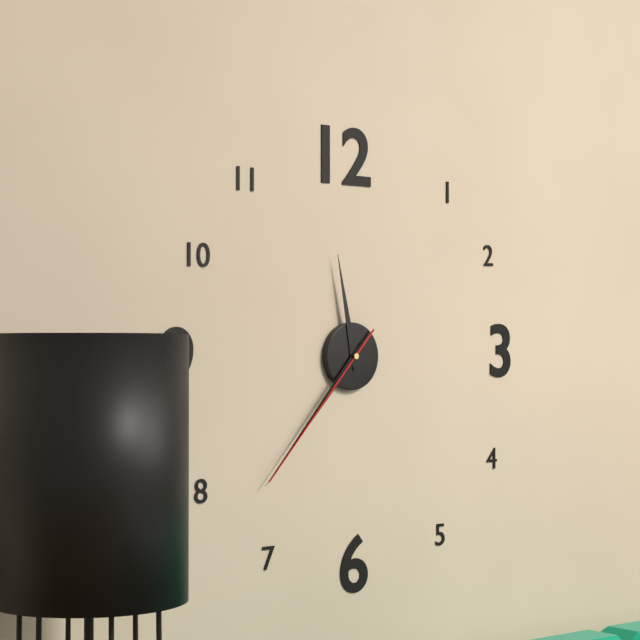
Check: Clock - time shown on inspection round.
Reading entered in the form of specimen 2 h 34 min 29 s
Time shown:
11 h 37 min 37 s
